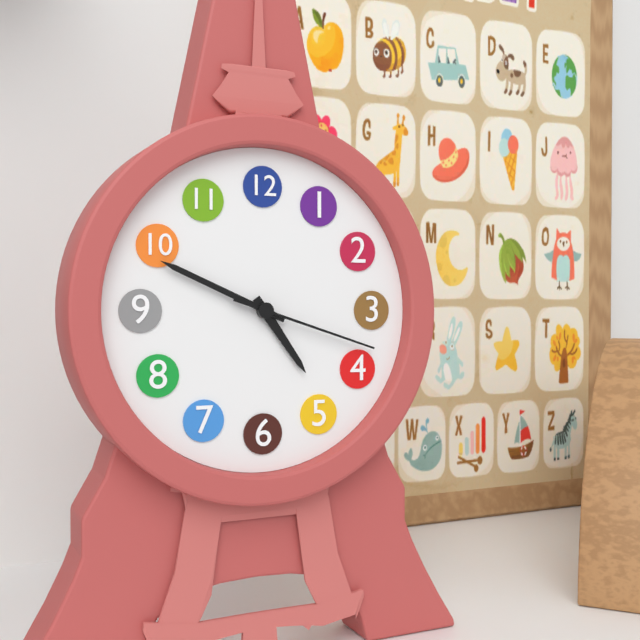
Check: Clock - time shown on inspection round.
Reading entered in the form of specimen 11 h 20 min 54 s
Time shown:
4 h 49 min 18 s
